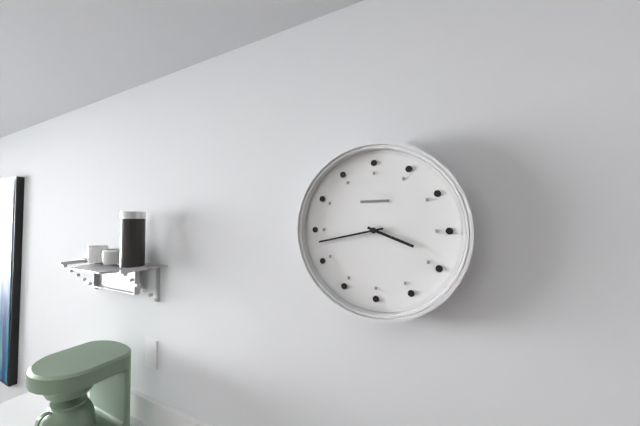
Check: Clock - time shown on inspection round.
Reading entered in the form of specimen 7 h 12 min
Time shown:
3 h 43 min
